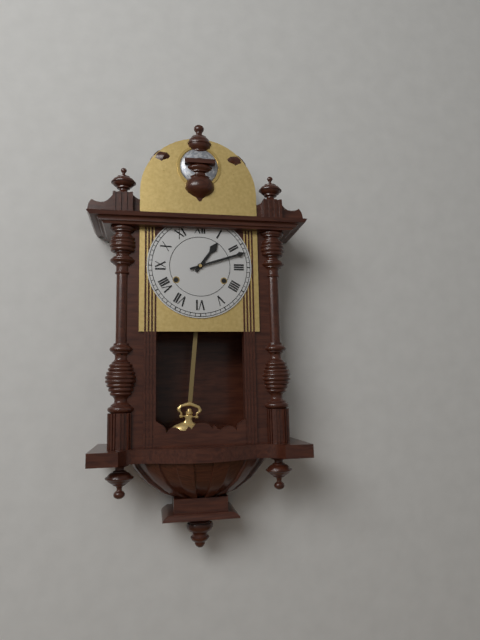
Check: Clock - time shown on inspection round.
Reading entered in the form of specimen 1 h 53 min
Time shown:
1 h 12 min
